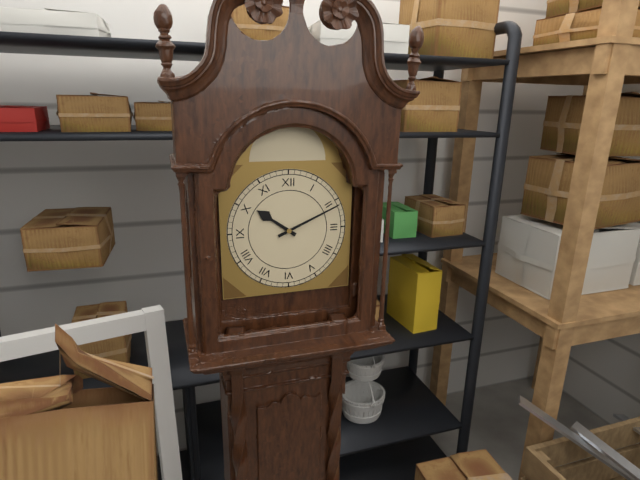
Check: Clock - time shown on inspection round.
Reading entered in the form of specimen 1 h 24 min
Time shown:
10 h 11 min
